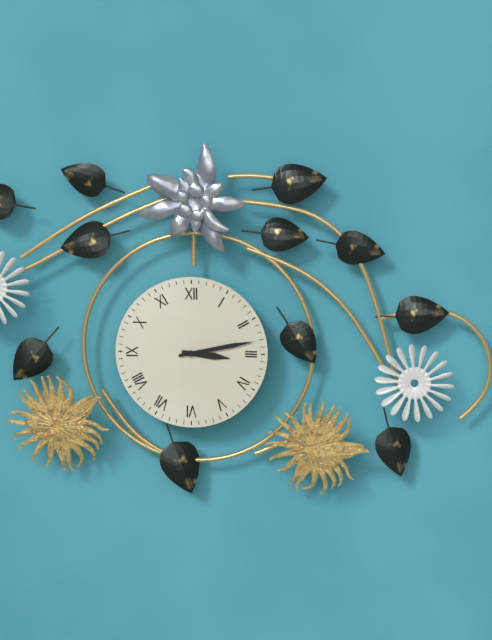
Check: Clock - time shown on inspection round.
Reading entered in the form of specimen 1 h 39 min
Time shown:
3 h 13 min
